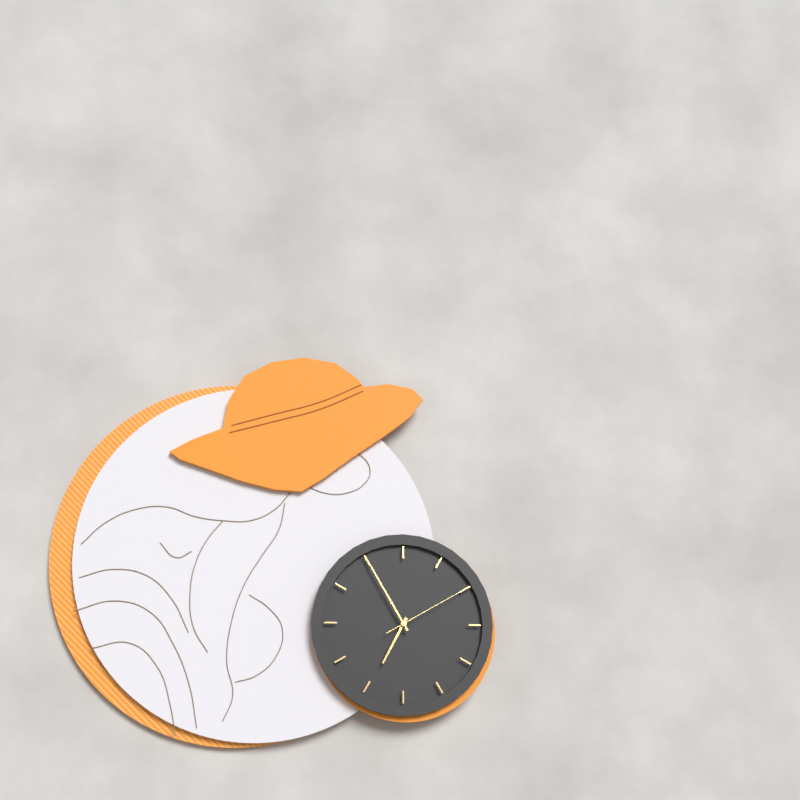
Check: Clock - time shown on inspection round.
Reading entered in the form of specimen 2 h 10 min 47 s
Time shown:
6 h 55 min 10 s
